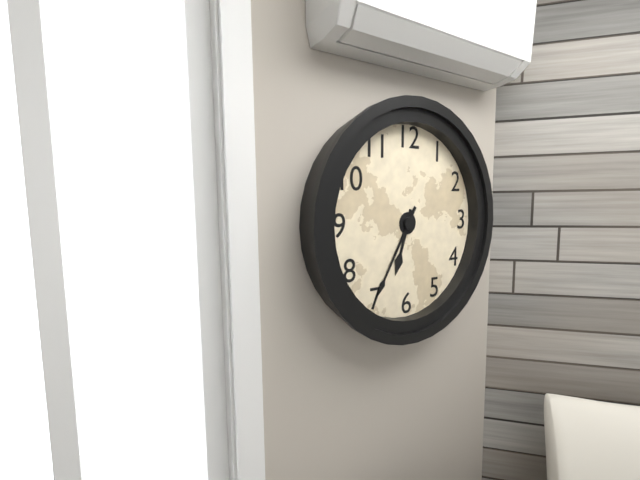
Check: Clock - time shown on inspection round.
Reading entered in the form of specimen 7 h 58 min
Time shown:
6 h 35 min
